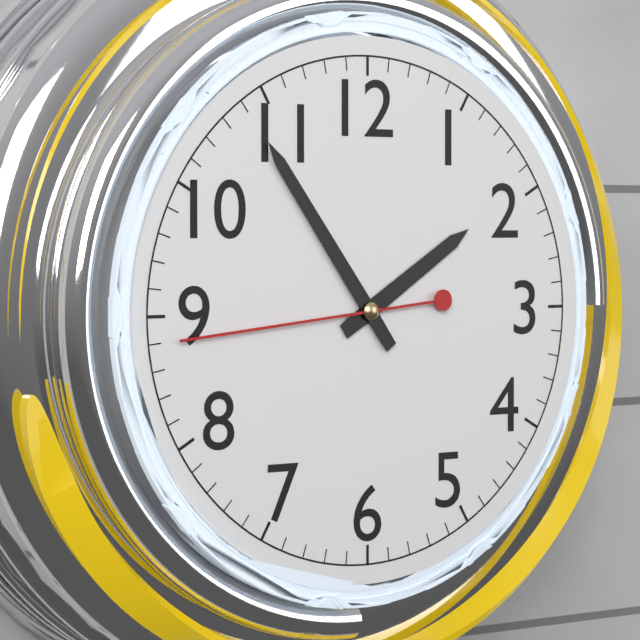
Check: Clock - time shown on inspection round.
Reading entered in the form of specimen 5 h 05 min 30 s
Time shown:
1 h 54 min 44 s
